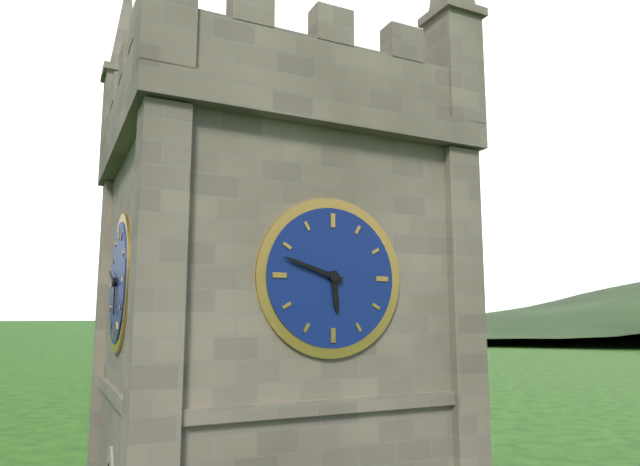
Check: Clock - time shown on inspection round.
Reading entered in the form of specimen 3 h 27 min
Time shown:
5 h 48 min
